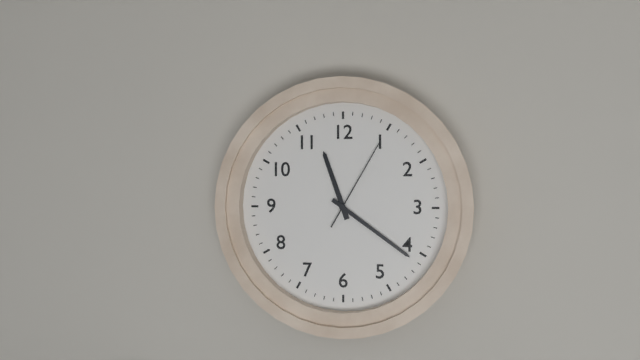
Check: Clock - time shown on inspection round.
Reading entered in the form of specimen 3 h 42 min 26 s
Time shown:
11 h 21 min 05 s
